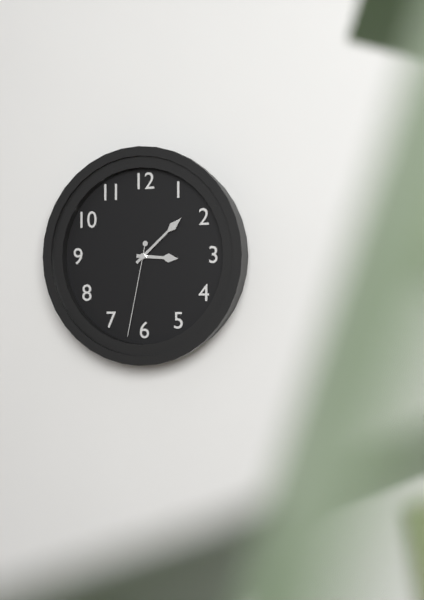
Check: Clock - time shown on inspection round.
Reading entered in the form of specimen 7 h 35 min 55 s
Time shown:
3 h 08 min 32 s
